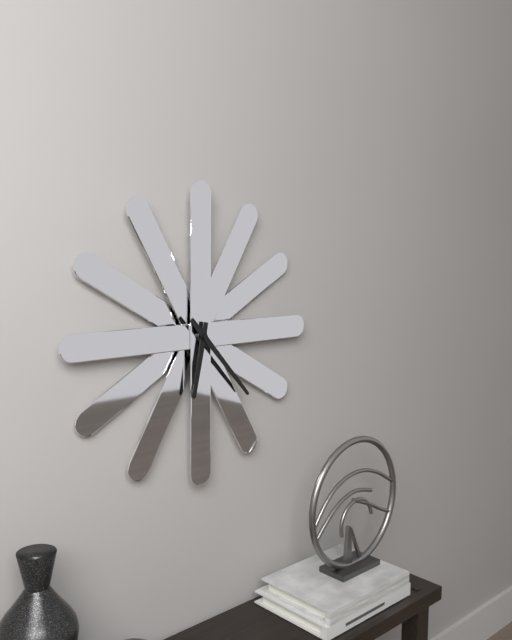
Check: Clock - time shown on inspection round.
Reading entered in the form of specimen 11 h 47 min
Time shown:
6 h 23 min
